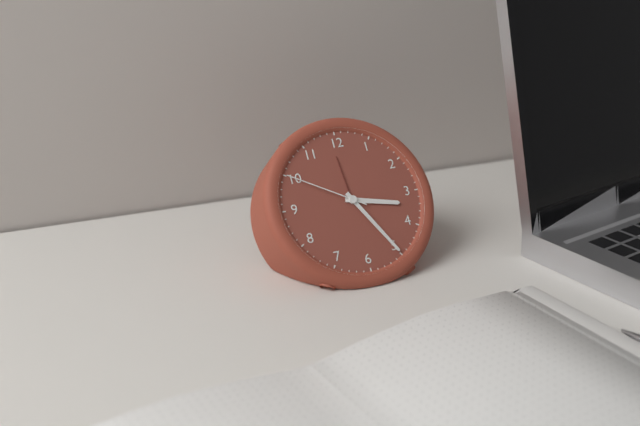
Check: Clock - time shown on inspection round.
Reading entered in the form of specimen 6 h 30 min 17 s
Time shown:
3 h 25 min 50 s
